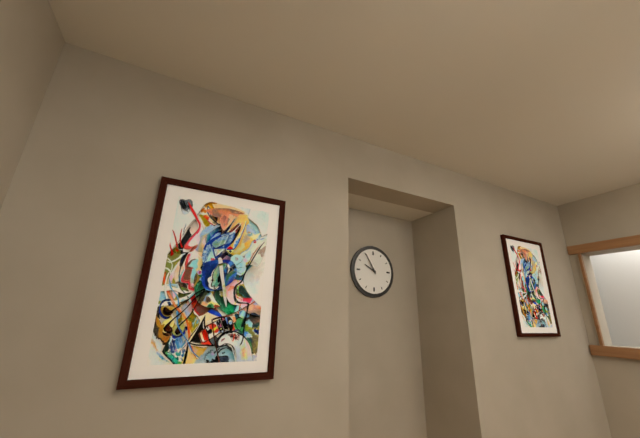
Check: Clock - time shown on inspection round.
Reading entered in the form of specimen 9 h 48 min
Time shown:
9 h 55 min
